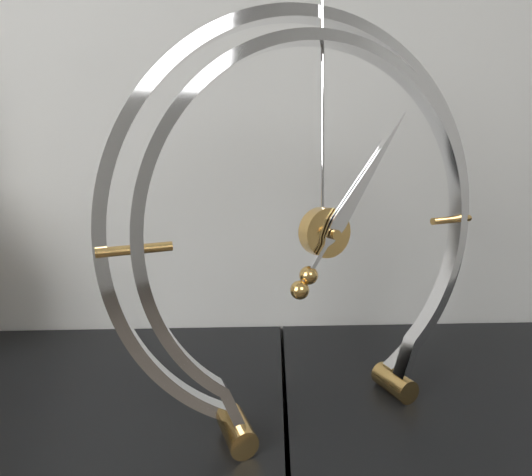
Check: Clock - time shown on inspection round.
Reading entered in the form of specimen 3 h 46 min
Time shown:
1 h 06 min
